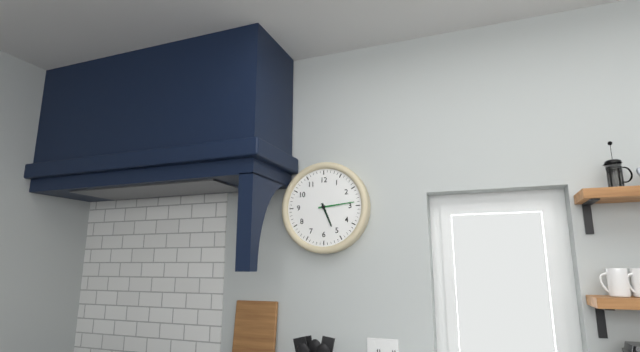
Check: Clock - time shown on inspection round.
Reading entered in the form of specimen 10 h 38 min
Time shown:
5 h 14 min
